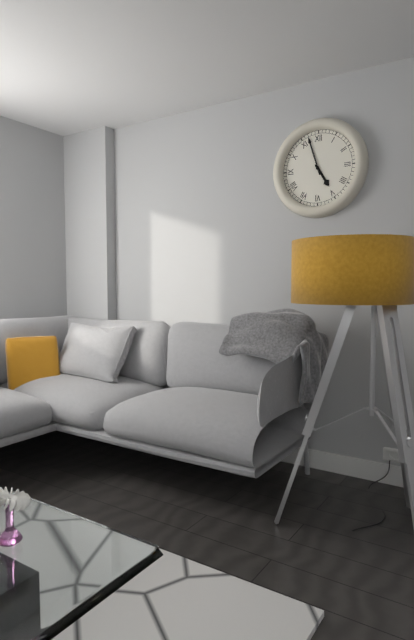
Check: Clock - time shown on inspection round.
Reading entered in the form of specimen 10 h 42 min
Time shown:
4 h 57 min
